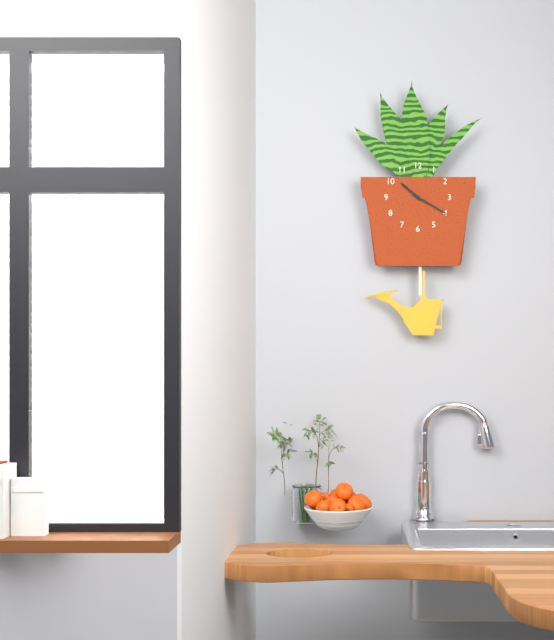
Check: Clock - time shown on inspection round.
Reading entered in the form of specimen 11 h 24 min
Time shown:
10 h 20 min
